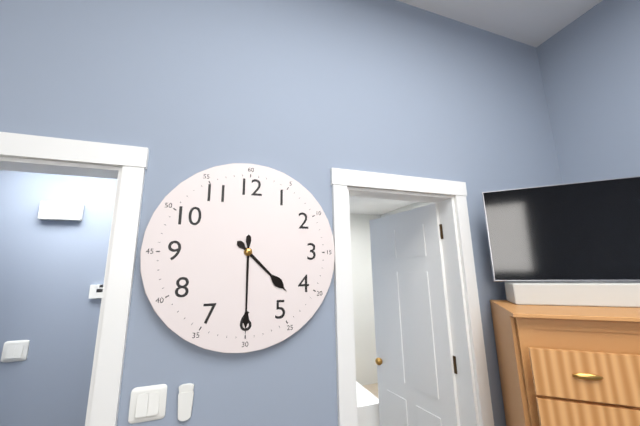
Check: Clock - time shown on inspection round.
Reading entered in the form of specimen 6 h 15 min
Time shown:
4 h 30 min
